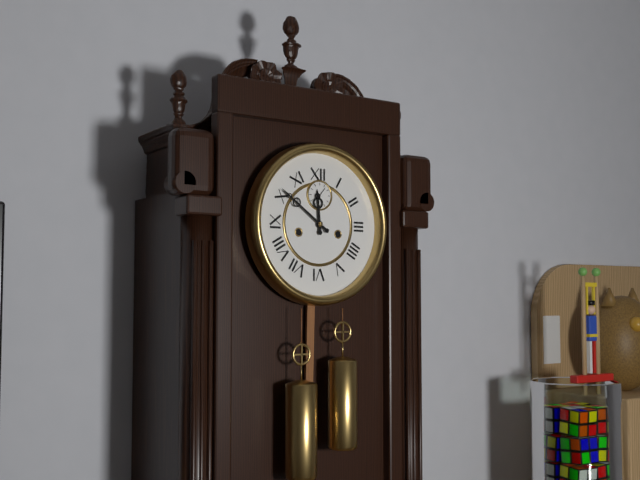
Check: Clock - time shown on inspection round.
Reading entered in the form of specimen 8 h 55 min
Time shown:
11 h 51 min
